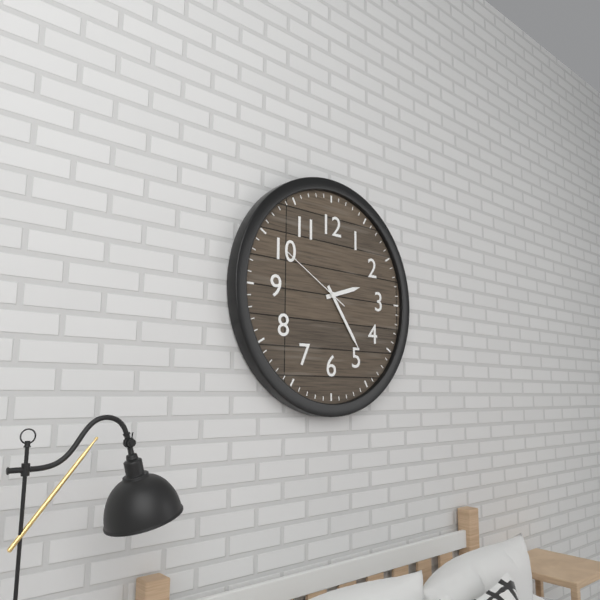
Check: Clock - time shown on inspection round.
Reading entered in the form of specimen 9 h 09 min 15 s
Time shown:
2 h 24 min 50 s
